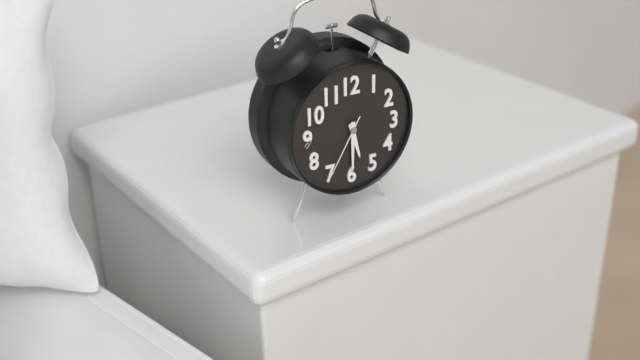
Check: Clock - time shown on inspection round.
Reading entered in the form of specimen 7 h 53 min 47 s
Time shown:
5 h 30 min 35 s
